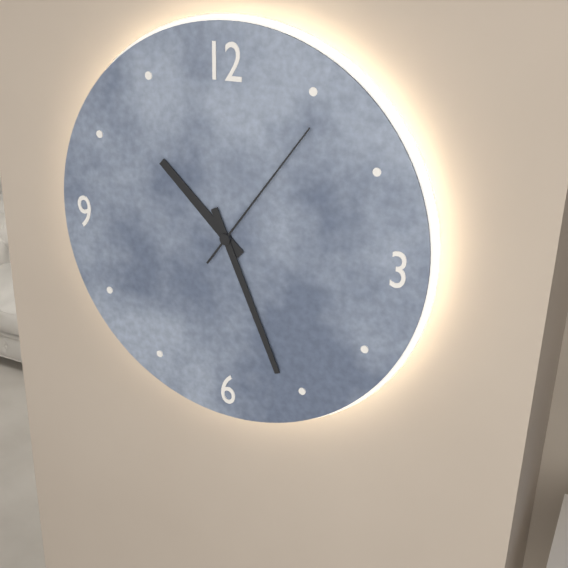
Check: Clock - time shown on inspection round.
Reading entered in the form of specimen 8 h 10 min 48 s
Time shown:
10 h 26 min 06 s
